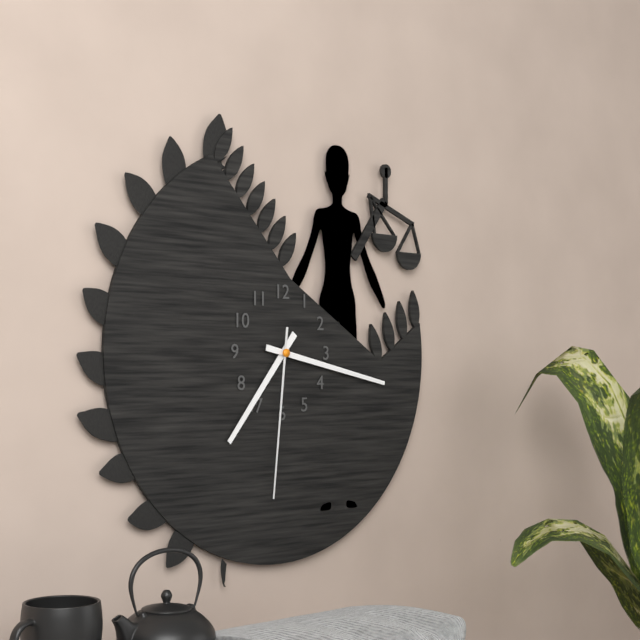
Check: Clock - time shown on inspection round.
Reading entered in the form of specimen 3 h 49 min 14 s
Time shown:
7 h 17 min 31 s
